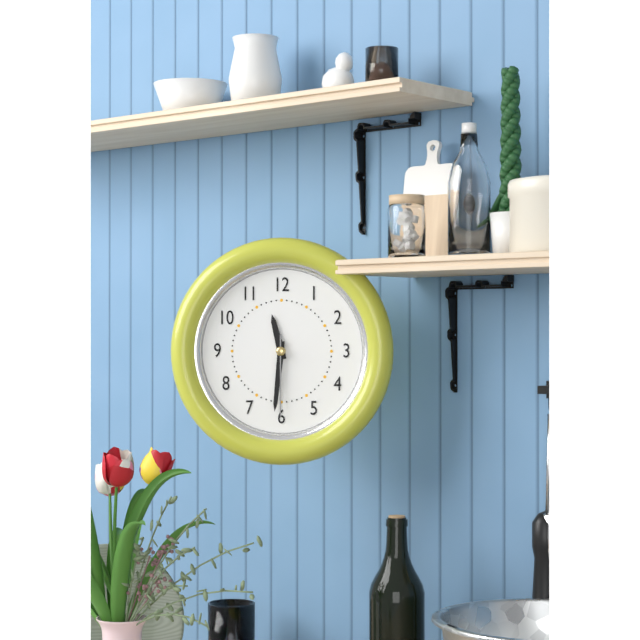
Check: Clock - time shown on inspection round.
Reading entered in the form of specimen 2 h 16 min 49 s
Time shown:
11 h 31 min 30 s
